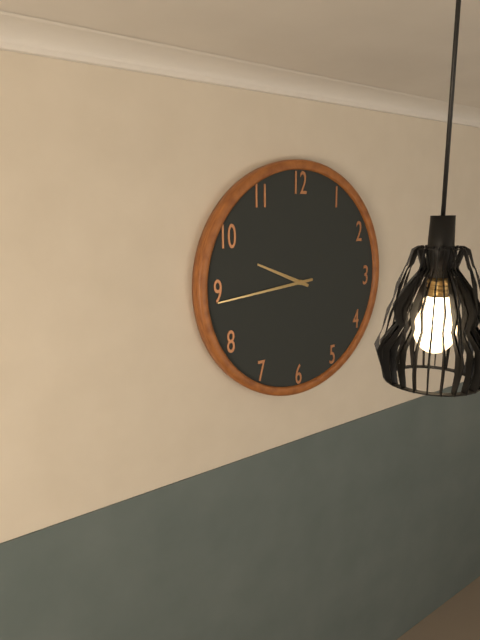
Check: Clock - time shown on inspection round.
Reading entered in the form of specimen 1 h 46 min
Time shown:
9 h 44 min
